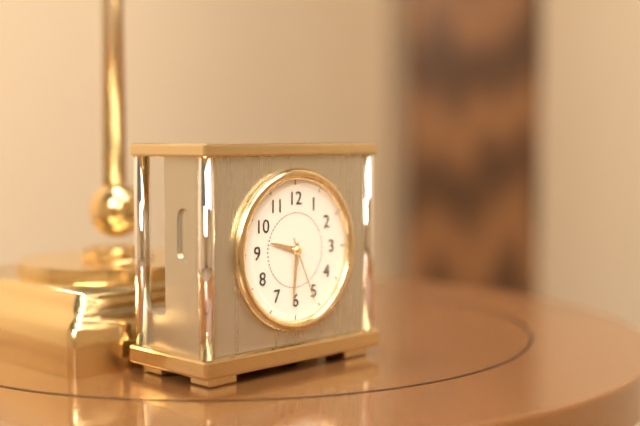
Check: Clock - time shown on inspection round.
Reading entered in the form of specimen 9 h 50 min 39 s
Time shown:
9 h 31 min 26 s
